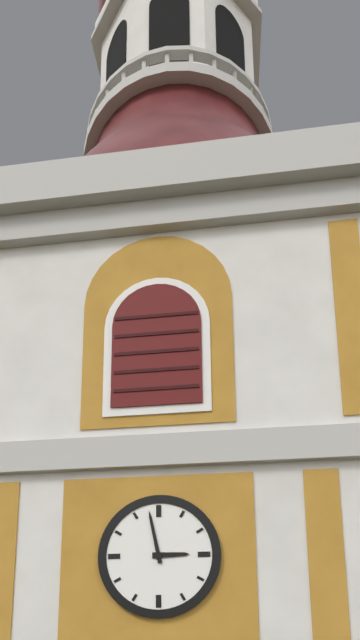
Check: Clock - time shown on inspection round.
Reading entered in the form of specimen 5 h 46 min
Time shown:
2 h 58 min
